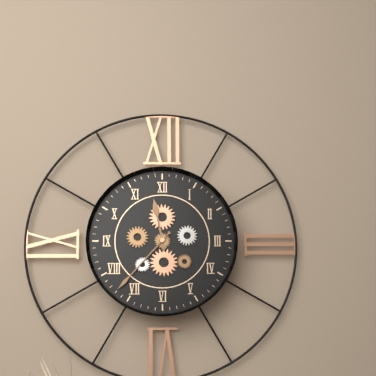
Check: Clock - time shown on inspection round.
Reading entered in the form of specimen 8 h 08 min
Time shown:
11 h 37 min
